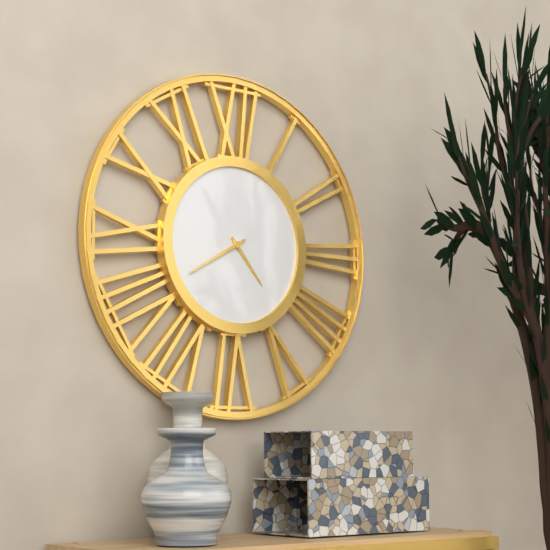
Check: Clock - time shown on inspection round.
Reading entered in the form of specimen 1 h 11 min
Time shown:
4 h 40 min
